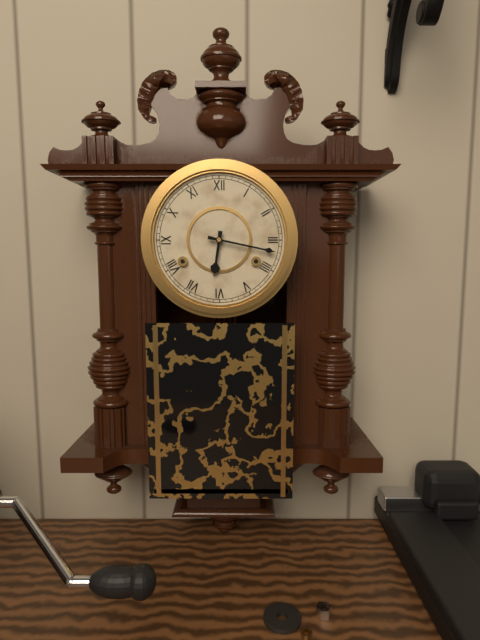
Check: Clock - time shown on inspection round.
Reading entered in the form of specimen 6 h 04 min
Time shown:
6 h 17 min
